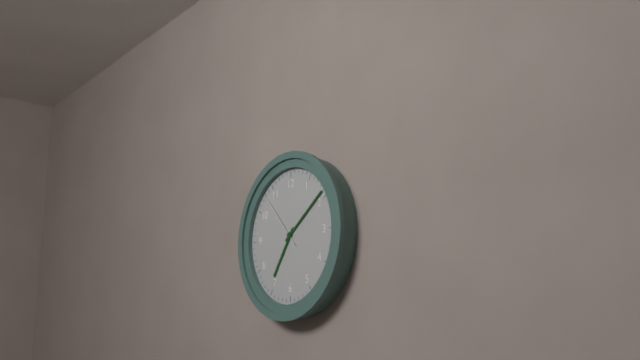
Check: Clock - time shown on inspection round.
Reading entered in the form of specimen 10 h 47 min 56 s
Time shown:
7 h 09 min 53 s
